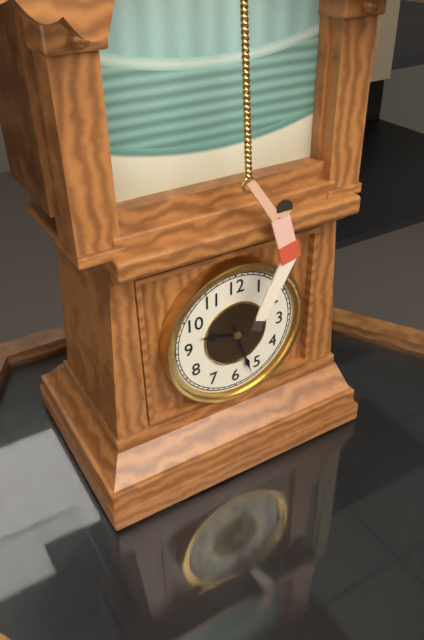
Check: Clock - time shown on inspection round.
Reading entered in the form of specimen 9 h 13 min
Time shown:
9 h 27 min
